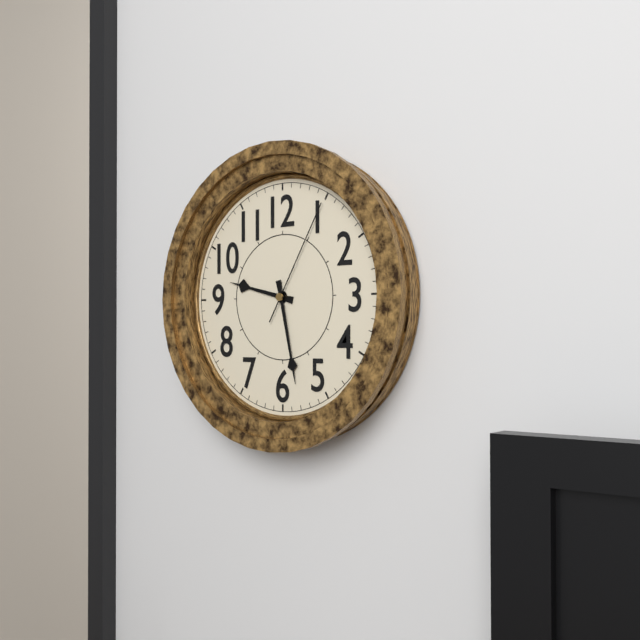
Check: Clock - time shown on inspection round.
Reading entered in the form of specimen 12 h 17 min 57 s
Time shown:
9 h 28 min 05 s
